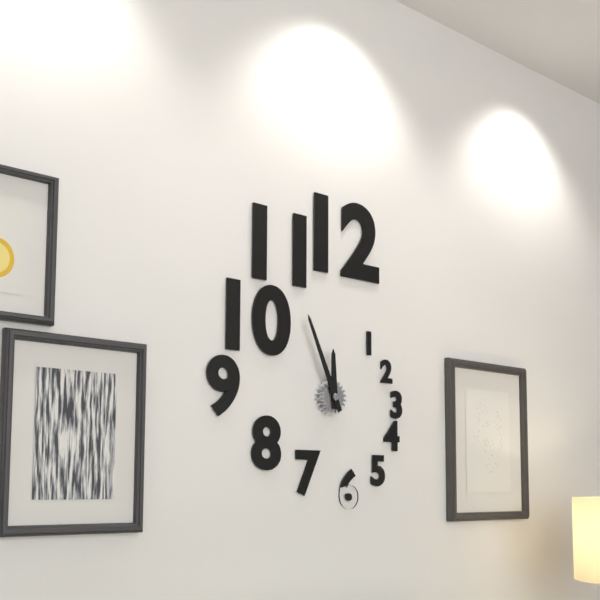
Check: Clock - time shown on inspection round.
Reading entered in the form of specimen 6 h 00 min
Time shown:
11 h 56 min
